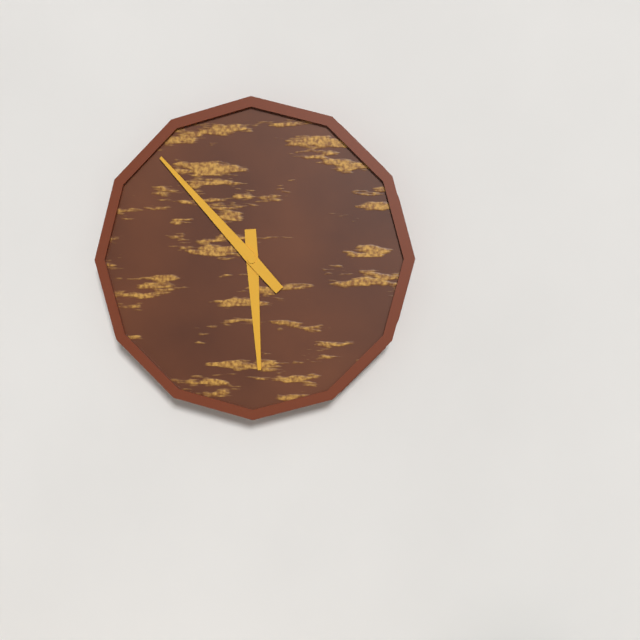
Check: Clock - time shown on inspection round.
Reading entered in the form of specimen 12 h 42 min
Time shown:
5 h 53 min
